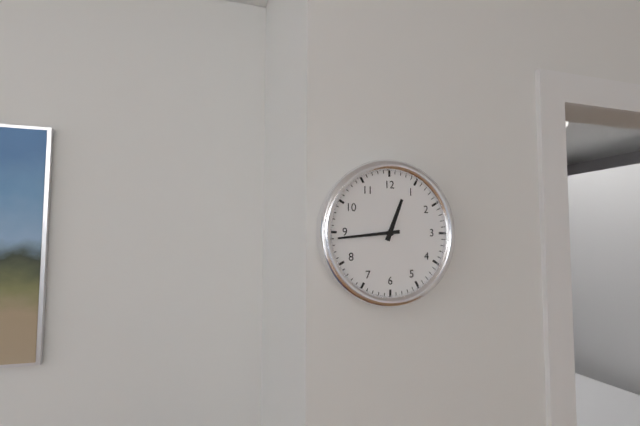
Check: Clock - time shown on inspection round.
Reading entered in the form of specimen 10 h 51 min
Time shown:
12 h 44 min
